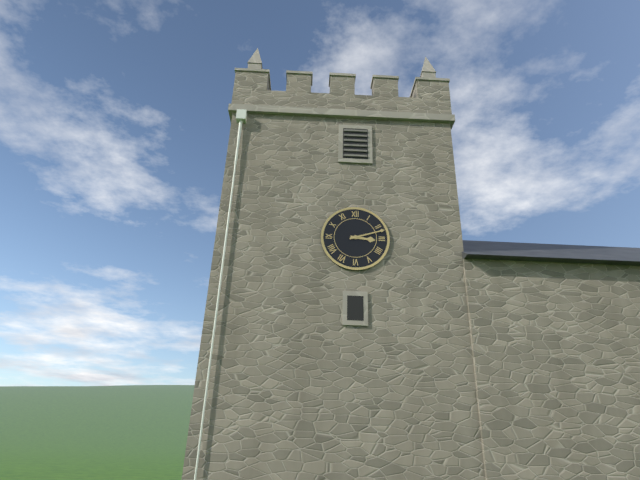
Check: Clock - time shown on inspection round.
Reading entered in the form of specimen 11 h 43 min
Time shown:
3 h 12 min
